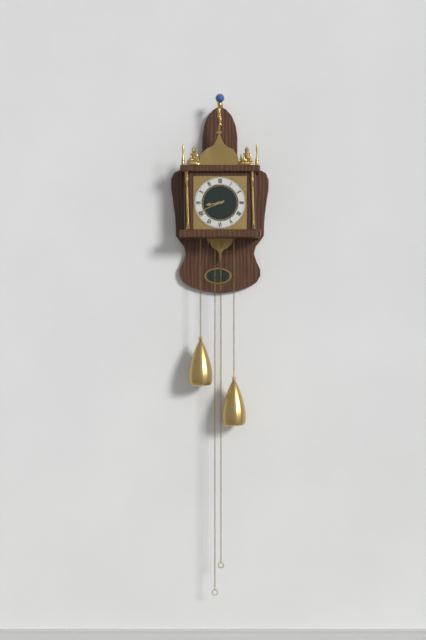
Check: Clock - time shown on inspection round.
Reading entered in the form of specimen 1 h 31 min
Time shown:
8 h 41 min
